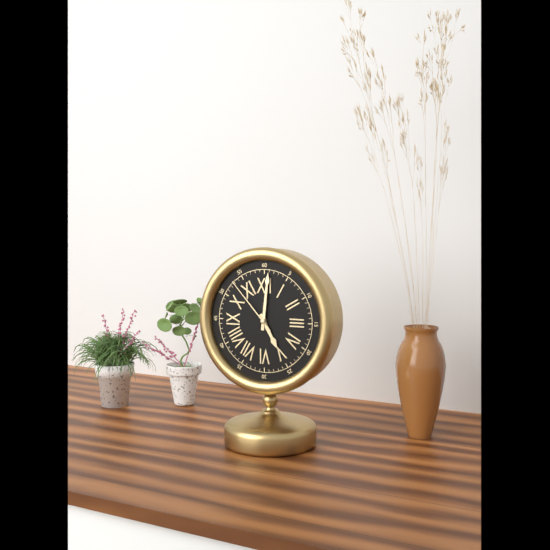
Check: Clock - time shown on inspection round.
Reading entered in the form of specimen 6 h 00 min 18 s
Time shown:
5 h 01 min 53 s
